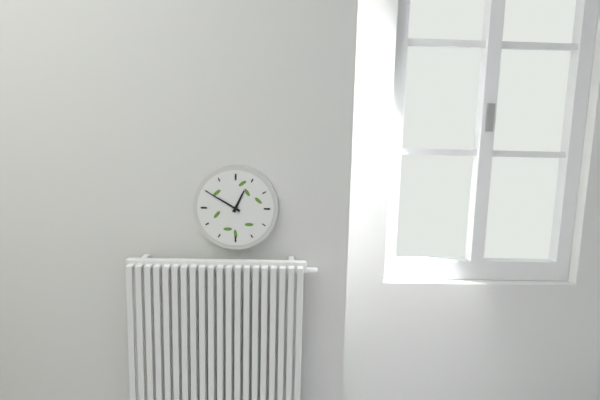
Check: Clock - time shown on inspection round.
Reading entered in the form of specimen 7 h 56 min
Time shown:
12 h 50 min
